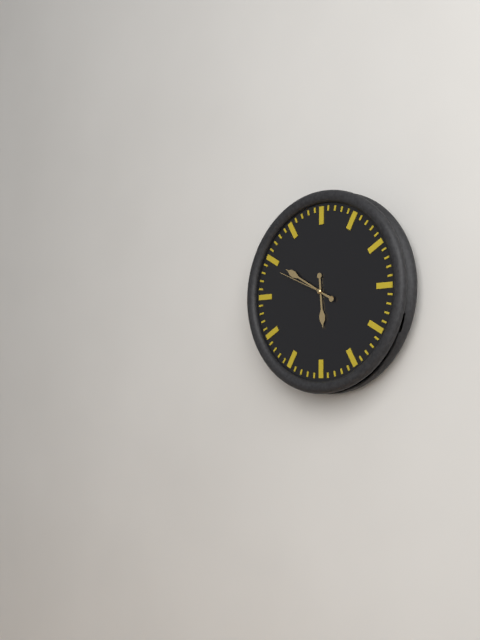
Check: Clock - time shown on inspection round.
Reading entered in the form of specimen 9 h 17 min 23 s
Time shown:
5 h 50 min 49 s
